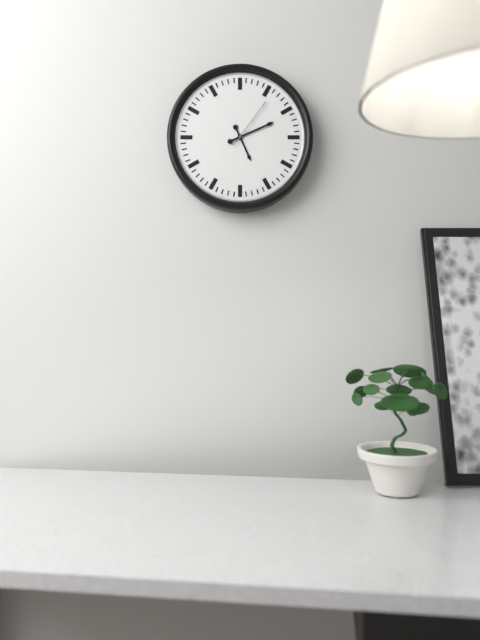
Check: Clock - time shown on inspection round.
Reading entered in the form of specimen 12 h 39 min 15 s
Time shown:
5 h 11 min 06 s
